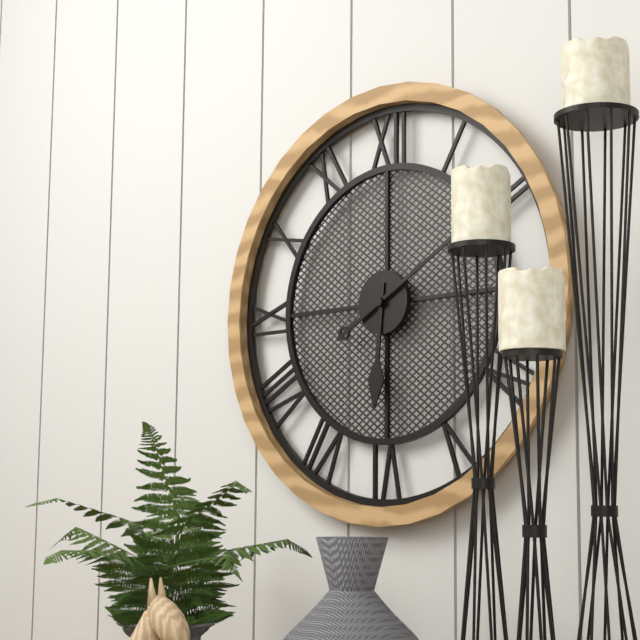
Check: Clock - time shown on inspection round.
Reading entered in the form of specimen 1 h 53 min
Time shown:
6 h 10 min
